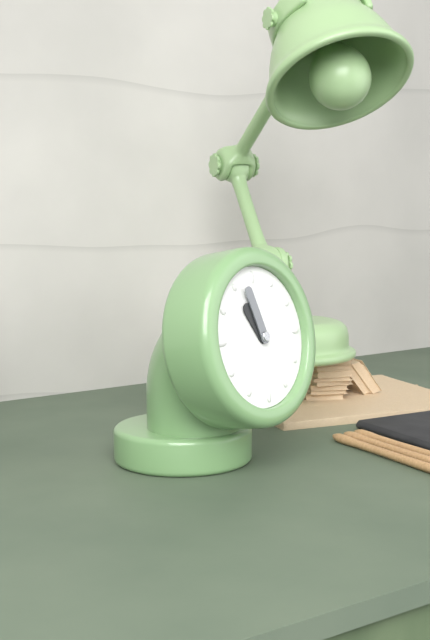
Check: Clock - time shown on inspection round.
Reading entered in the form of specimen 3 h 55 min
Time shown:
10 h 57 min
